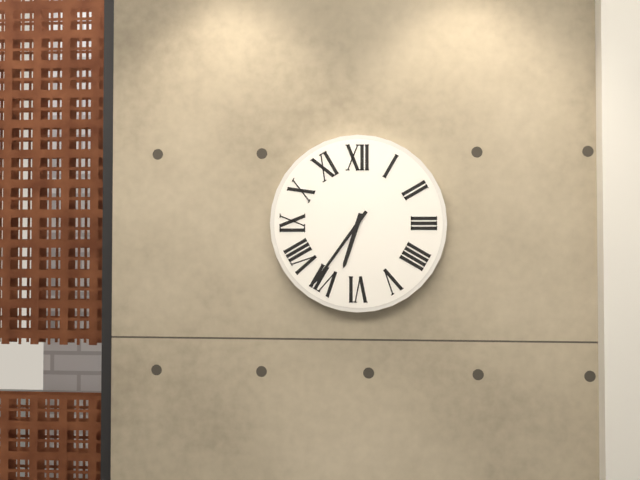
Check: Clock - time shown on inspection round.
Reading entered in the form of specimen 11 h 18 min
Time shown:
6 h 36 min
